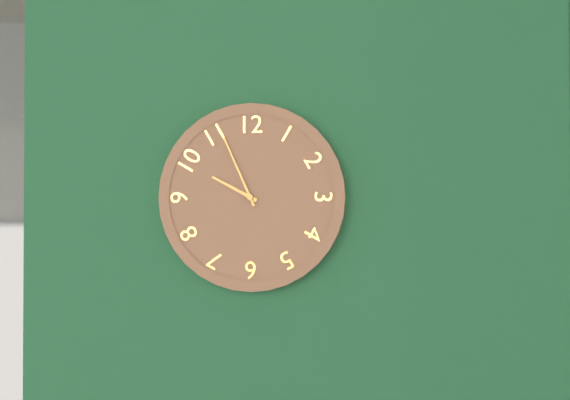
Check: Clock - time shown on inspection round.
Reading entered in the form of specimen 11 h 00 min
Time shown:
9 h 56 min
